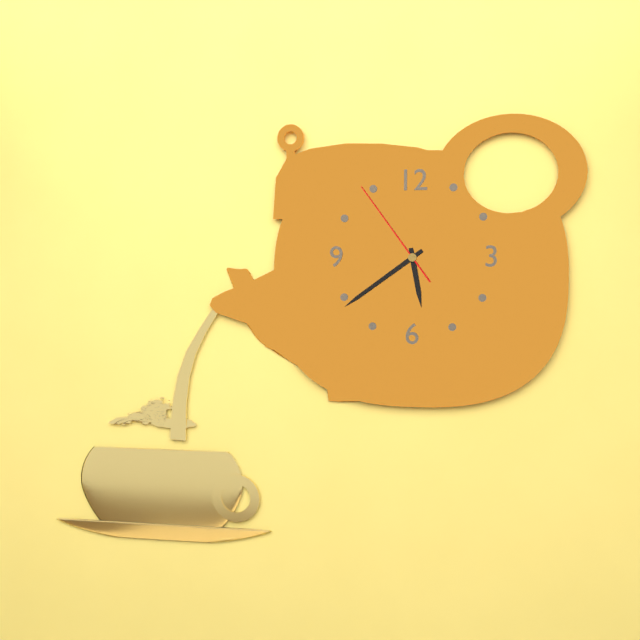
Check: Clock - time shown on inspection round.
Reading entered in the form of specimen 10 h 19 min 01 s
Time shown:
5 h 39 min 54 s
